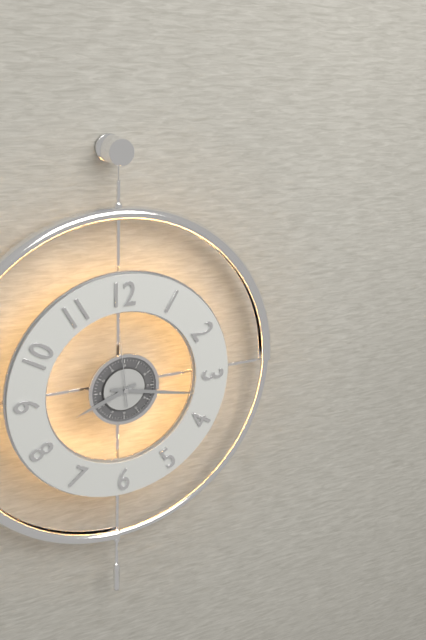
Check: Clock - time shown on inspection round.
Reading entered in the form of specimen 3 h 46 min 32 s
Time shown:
8 h 17 min 59 s
